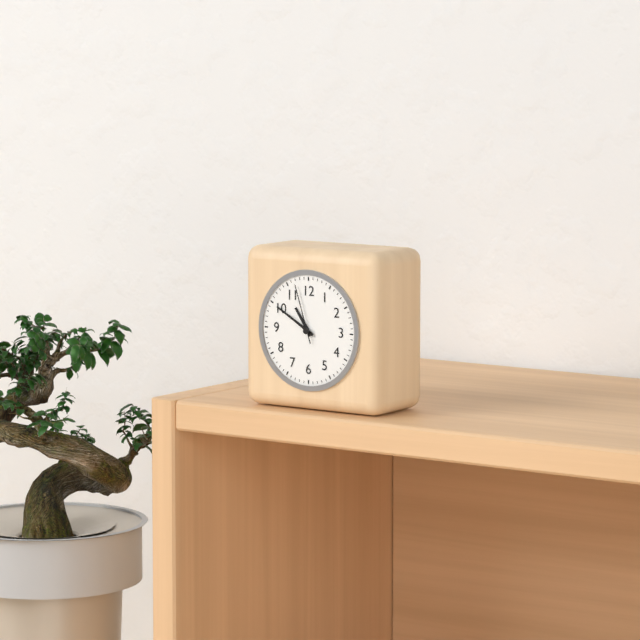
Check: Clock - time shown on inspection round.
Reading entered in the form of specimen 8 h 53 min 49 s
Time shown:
10 h 50 min 57 s
